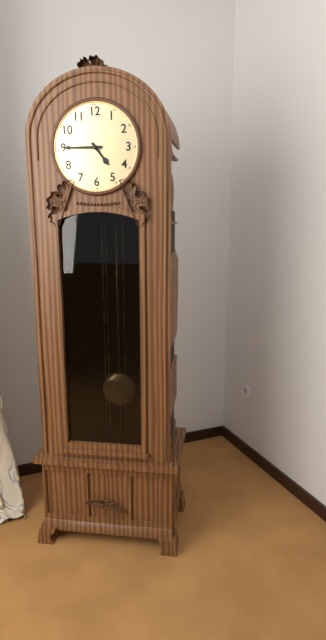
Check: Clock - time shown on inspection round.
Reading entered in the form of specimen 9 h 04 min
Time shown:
4 h 45 min
